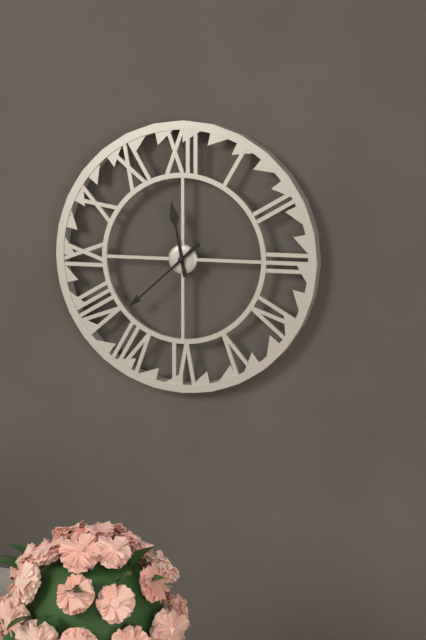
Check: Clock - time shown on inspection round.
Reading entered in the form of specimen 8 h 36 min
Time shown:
11 h 38 min
